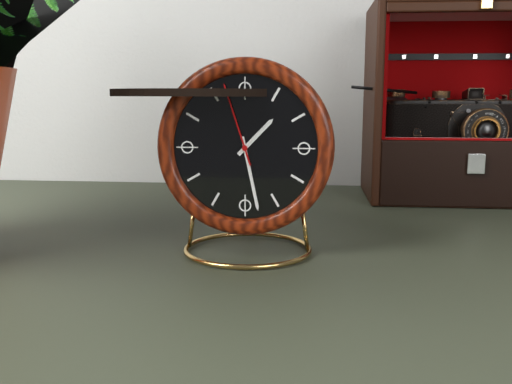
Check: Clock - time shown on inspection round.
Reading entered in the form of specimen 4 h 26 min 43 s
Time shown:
1 h 28 min 57 s
